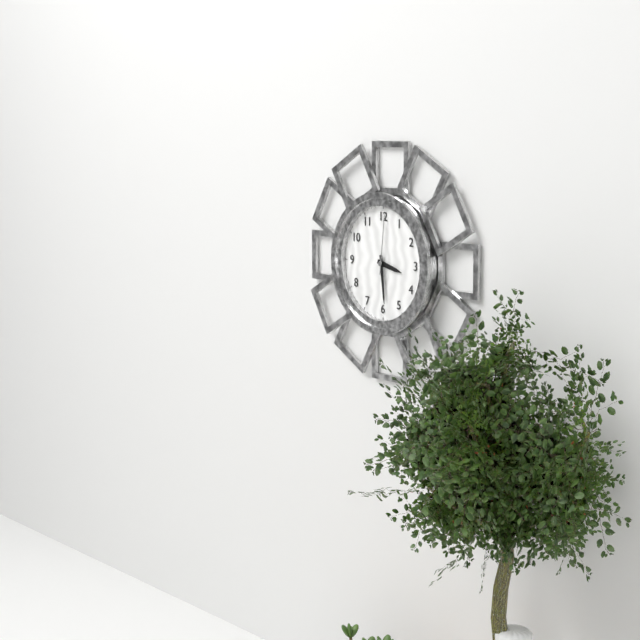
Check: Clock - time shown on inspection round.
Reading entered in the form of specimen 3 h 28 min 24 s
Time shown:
3 h 29 min 01 s
